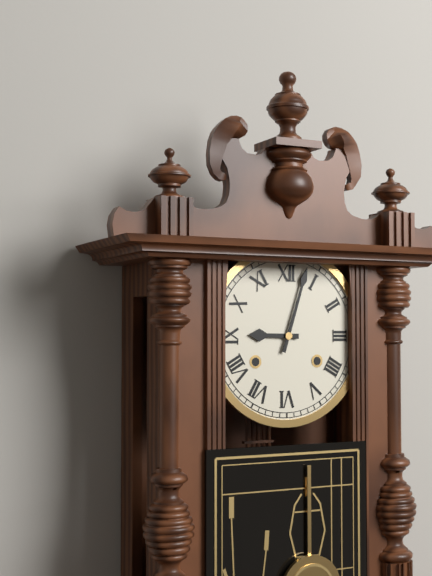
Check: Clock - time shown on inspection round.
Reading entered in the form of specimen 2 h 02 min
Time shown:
9 h 03 min
